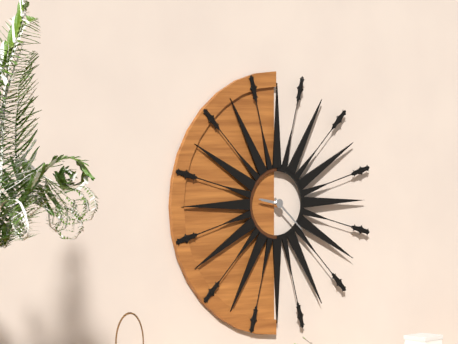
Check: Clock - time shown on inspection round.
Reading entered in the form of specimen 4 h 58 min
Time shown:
9 h 22 min
